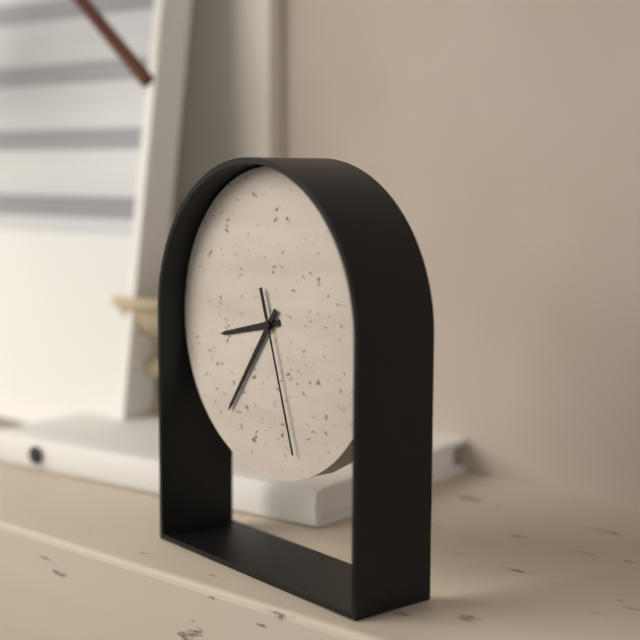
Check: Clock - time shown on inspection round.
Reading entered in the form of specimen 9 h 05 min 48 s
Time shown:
8 h 36 min 27 s
